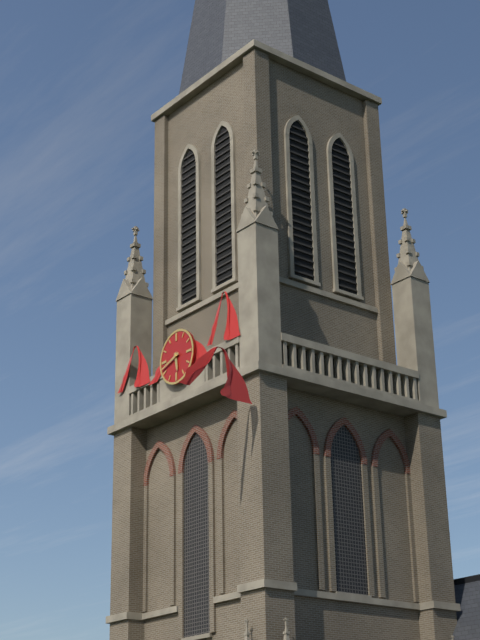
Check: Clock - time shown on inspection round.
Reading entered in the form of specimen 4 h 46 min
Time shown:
5 h 42 min
